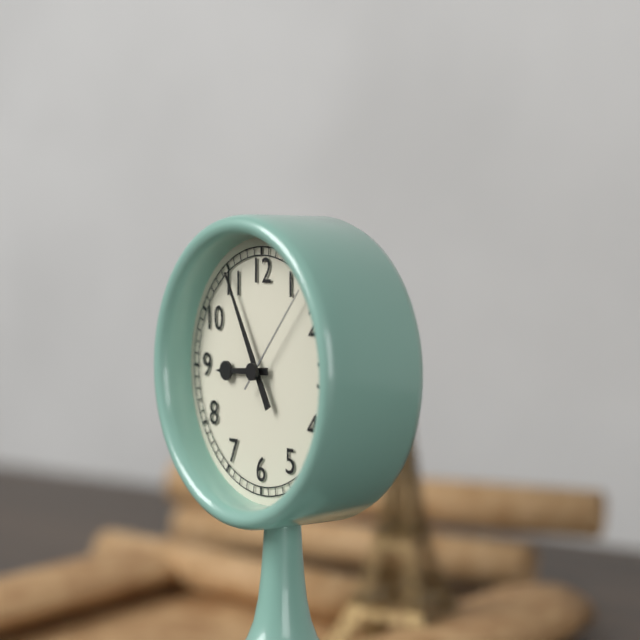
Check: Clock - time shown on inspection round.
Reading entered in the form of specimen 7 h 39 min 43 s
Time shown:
8 h 55 min 07 s
